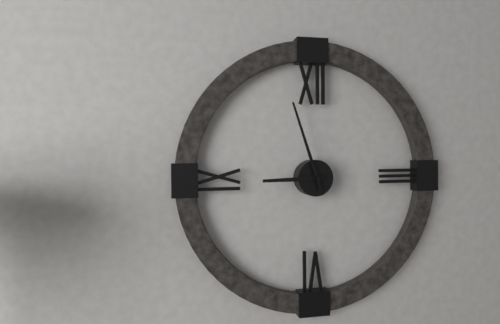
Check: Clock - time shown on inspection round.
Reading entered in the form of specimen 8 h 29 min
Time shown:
8 h 57 min
